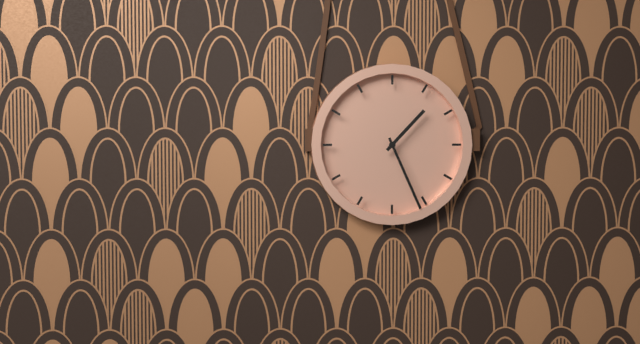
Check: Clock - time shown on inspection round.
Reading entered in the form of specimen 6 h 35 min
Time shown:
1 h 26 min
